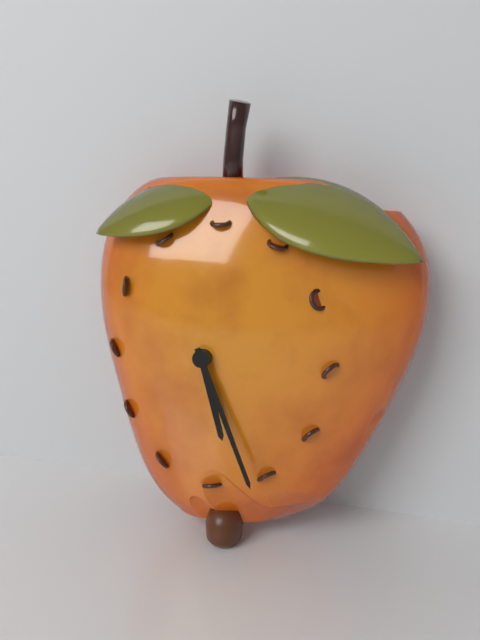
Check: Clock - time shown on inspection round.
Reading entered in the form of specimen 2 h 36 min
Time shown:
5 h 26 min
